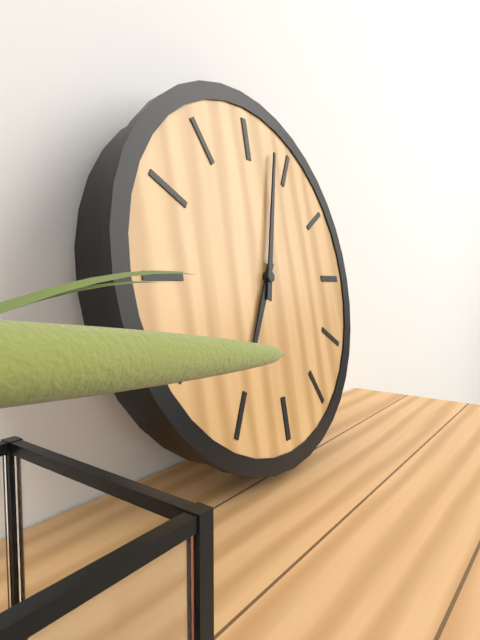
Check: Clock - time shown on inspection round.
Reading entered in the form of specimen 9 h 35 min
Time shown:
7 h 03 min
